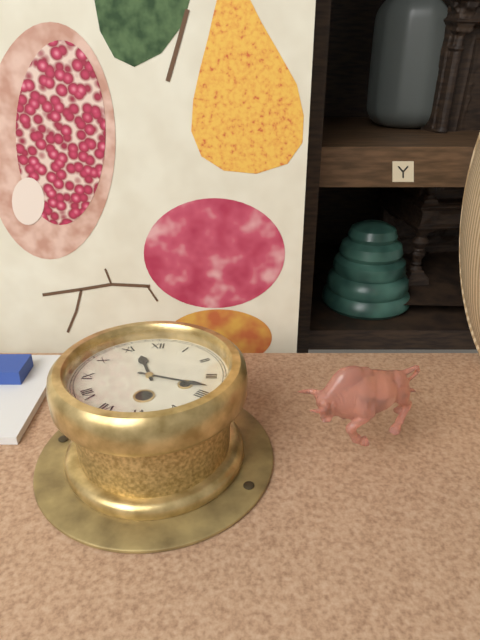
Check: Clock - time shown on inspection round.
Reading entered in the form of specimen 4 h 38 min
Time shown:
11 h 18 min
